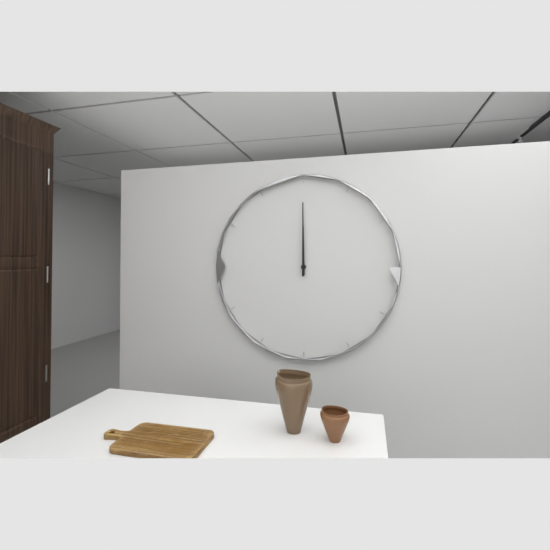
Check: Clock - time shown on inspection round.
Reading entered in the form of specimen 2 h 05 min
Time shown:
12 h 00 min
